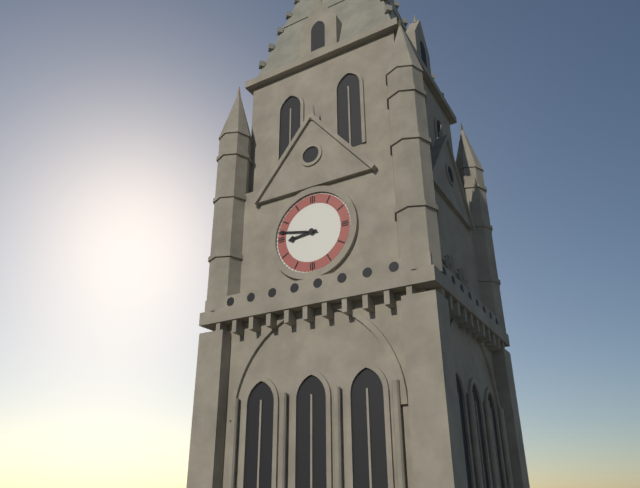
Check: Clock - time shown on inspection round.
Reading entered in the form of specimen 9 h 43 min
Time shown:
8 h 47 min
